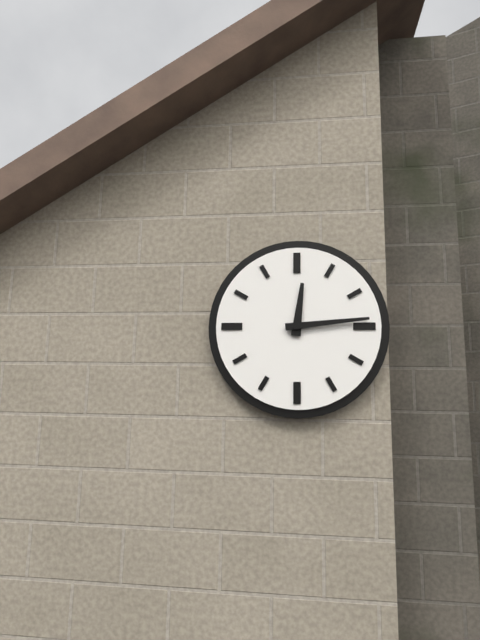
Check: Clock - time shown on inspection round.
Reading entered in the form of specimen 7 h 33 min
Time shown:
12 h 14 min
